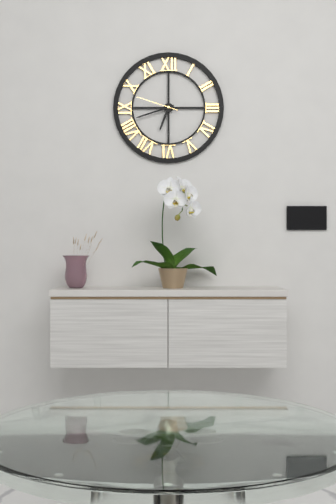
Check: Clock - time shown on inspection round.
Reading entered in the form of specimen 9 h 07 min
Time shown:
6 h 42 min
